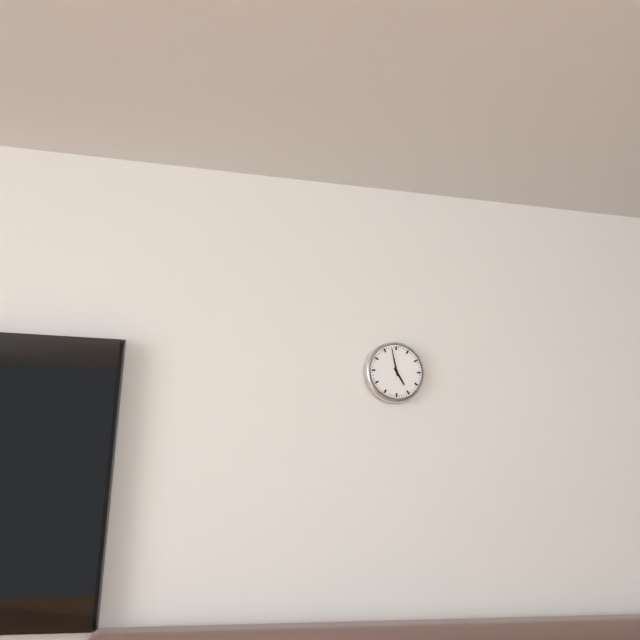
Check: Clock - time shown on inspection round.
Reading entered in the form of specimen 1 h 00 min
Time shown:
4 h 58 min
